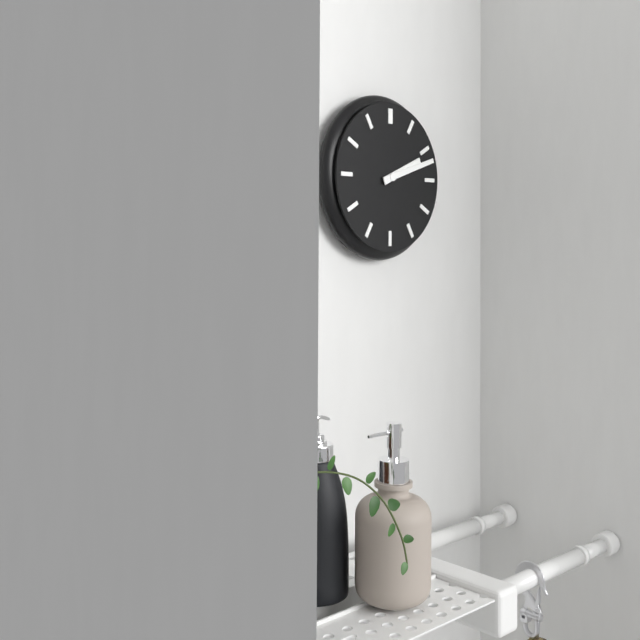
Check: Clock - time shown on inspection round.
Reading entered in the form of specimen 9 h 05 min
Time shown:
2 h 12 min
